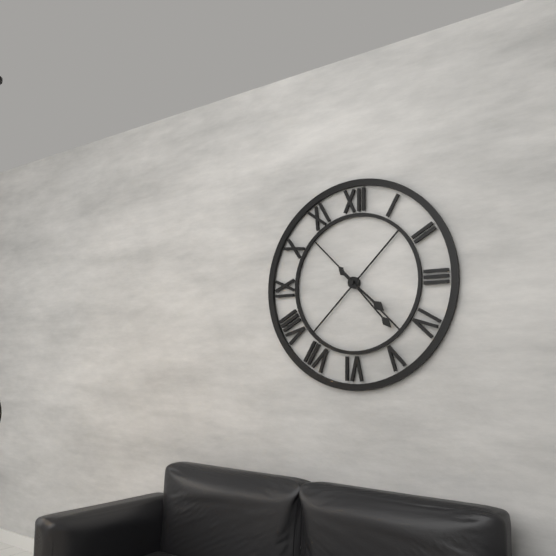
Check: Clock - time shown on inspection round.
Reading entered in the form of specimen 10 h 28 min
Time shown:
4 h 23 min
